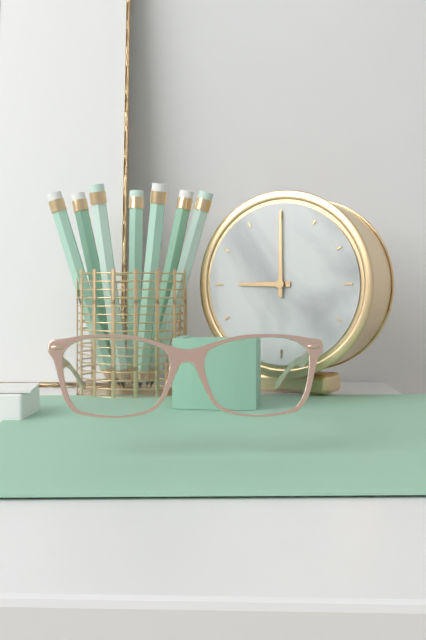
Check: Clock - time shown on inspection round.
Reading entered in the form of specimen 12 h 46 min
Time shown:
9 h 00 min
